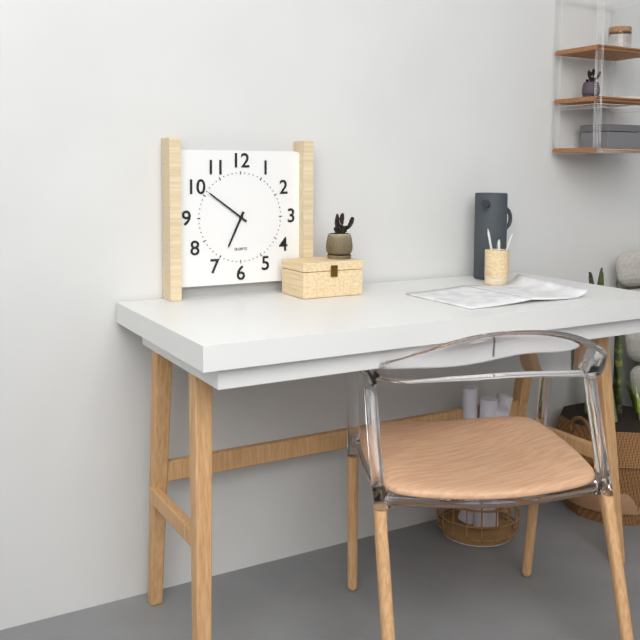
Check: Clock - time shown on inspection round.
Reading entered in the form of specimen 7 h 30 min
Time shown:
6 h 51 min
